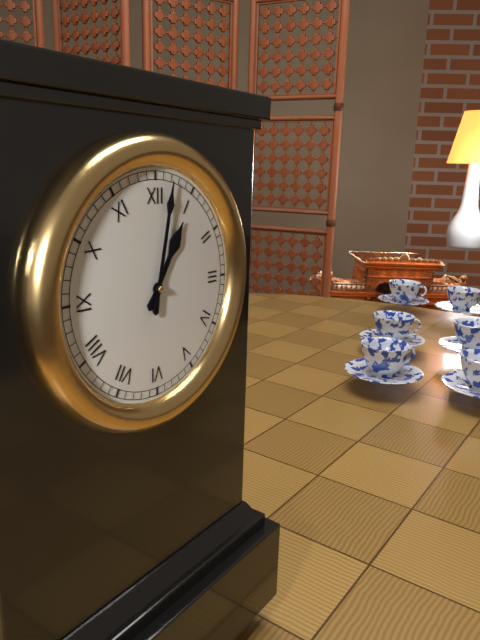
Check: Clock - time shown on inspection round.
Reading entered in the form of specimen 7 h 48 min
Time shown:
1 h 02 min
